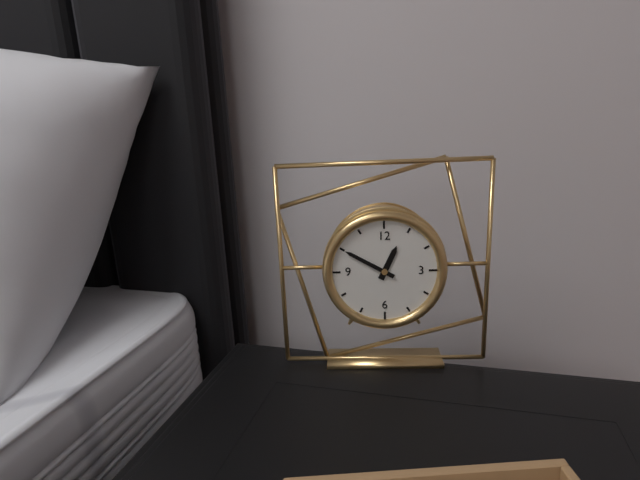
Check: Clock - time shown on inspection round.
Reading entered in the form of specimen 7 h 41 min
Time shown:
12 h 50 min
